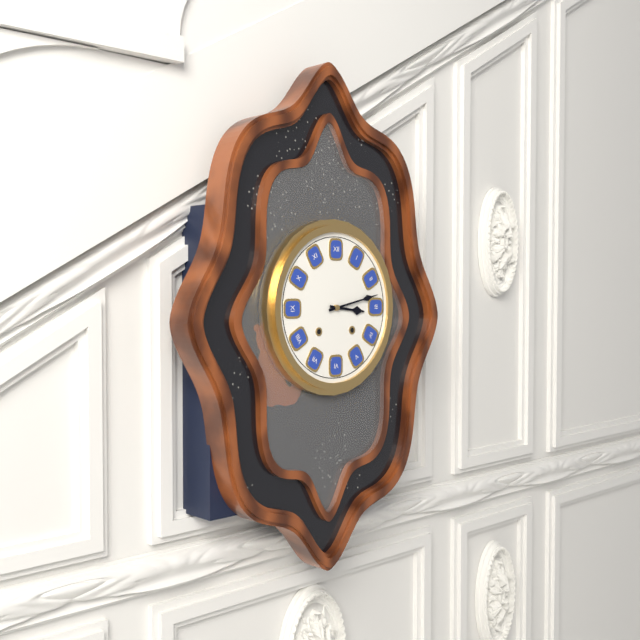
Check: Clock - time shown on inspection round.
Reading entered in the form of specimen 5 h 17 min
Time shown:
3 h 13 min
